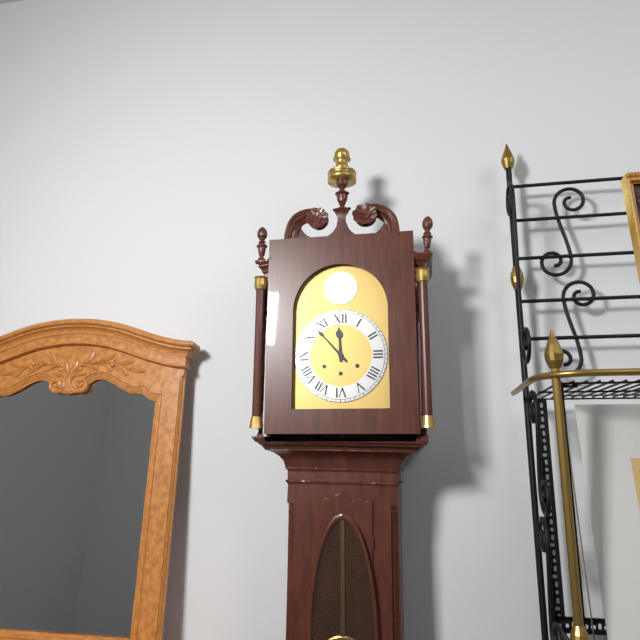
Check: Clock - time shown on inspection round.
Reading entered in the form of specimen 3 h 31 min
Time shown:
11 h 53 min
